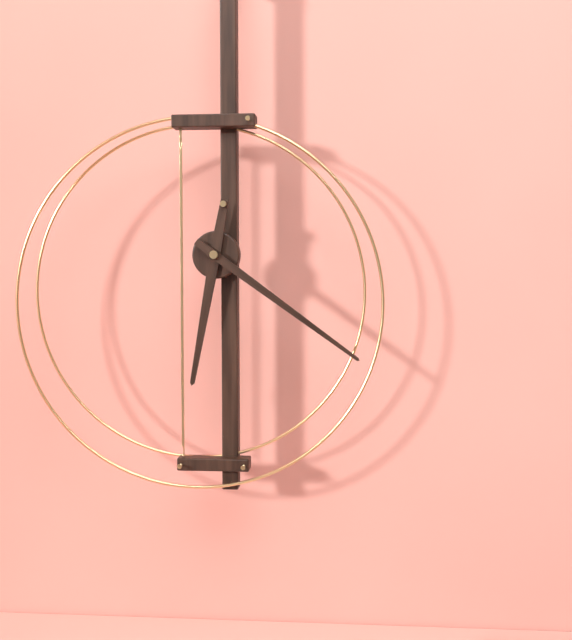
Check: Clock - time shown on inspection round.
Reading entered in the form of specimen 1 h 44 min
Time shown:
6 h 21 min
